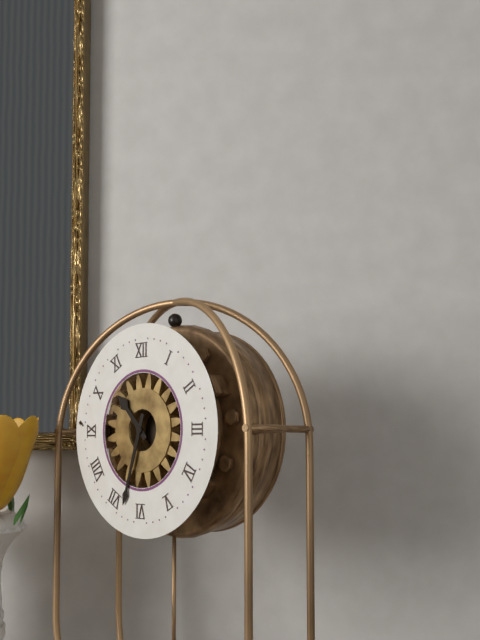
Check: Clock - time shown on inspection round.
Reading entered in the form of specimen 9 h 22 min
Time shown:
10 h 33 min
